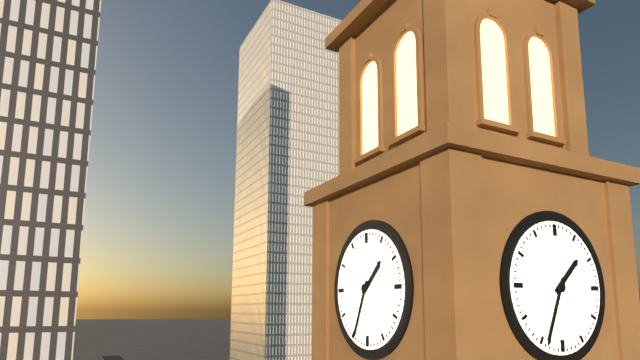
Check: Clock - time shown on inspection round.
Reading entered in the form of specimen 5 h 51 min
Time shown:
1 h 34 min
